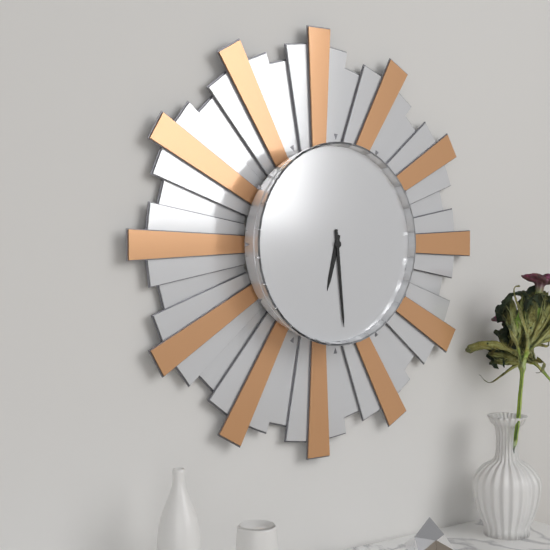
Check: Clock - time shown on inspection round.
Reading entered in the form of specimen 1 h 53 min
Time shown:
6 h 29 min
